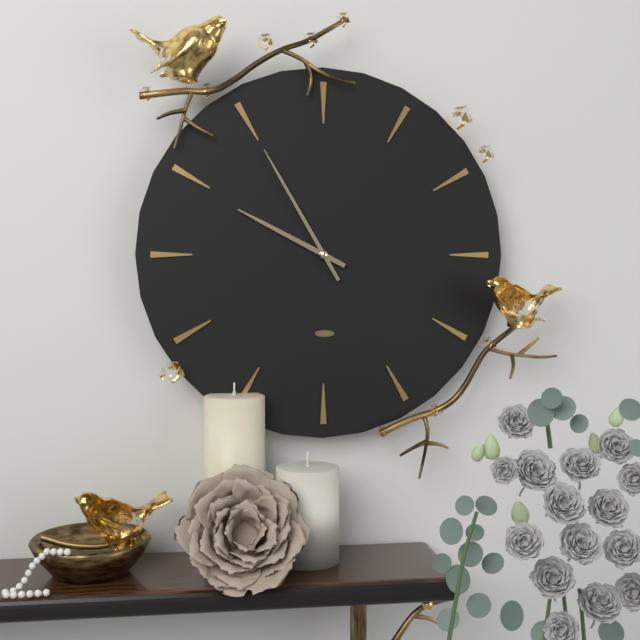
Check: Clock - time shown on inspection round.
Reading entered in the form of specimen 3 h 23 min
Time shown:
9 h 55 min
